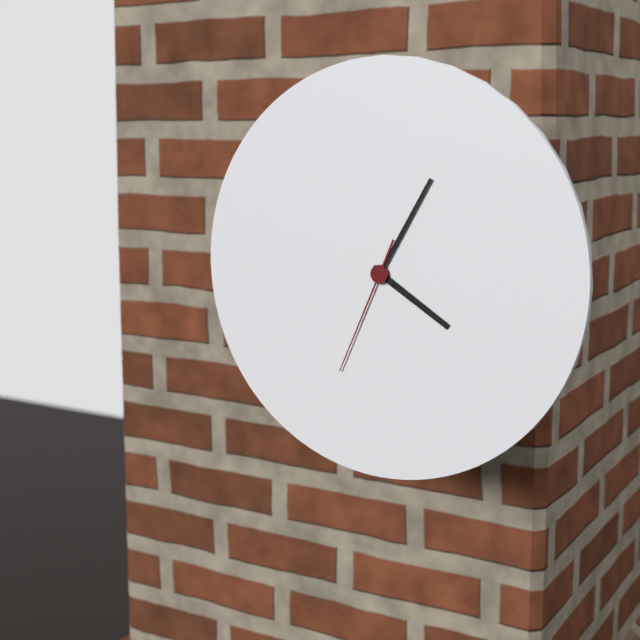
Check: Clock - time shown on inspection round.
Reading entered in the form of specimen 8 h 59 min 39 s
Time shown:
4 h 05 min 34 s
